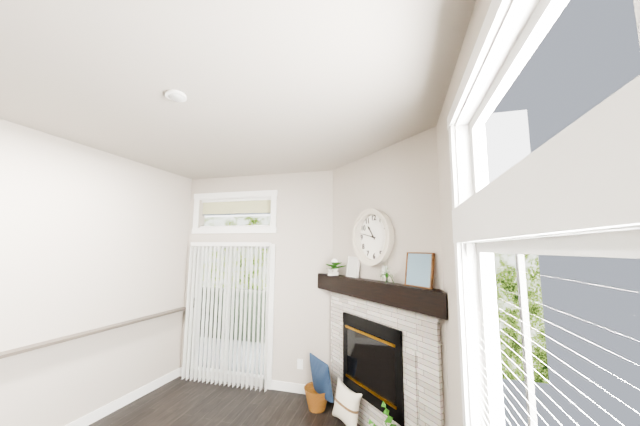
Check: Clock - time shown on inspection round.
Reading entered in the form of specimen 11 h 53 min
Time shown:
10 h 47 min
